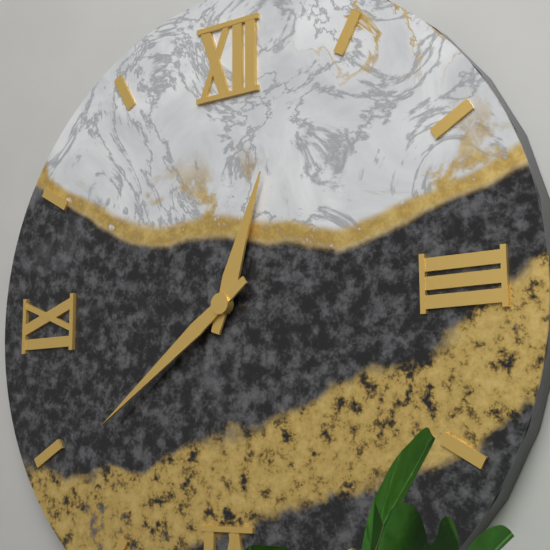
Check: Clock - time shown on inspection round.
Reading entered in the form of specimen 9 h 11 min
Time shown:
12 h 39 min
